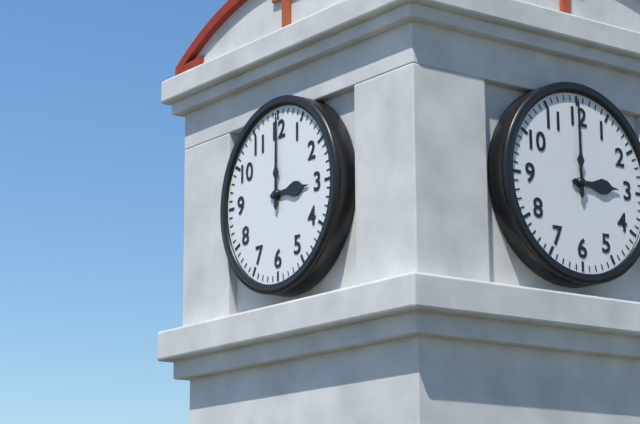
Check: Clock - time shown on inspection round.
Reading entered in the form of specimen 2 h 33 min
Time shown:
3 h 00 min
